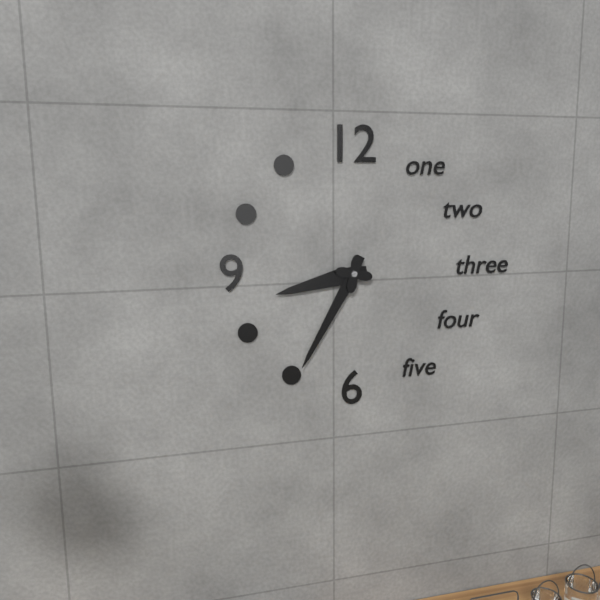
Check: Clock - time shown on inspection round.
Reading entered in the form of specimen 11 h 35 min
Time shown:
8 h 35 min
